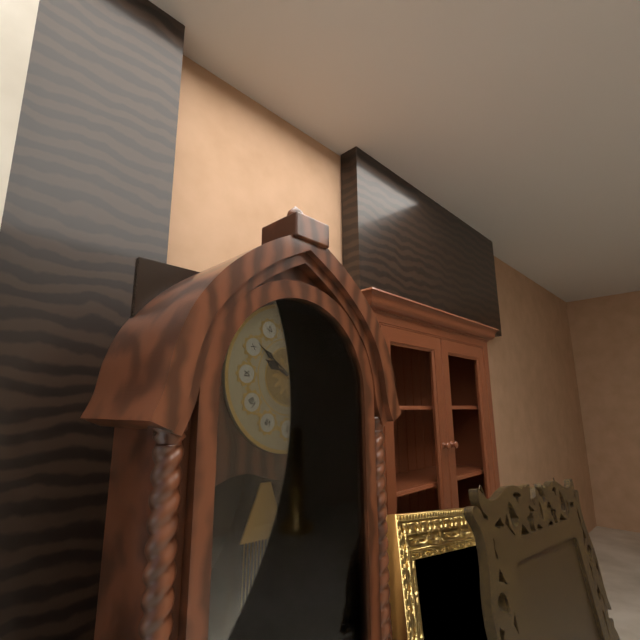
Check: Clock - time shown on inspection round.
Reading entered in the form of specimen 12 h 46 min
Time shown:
9 h 51 min
